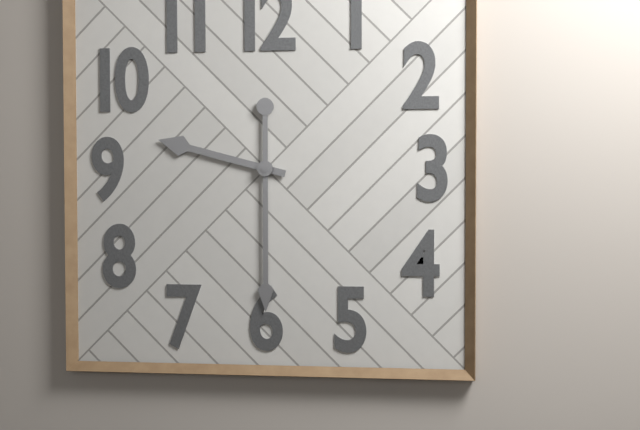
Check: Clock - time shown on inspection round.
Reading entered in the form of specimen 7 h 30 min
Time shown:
9 h 30 min
